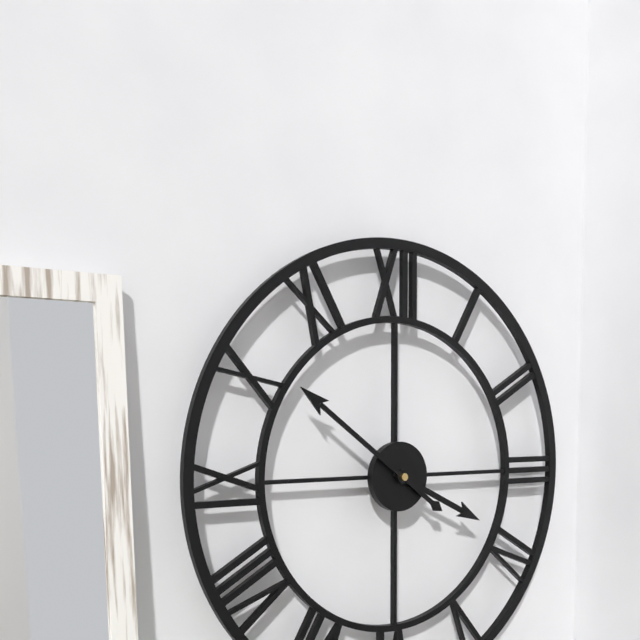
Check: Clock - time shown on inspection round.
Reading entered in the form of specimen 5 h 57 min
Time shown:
3 h 51 min
